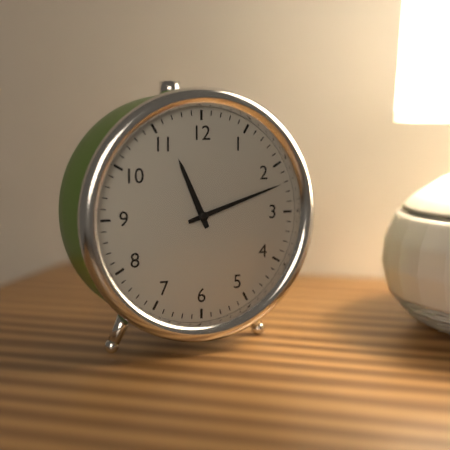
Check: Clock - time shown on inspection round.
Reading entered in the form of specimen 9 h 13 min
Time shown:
11 h 12 min
